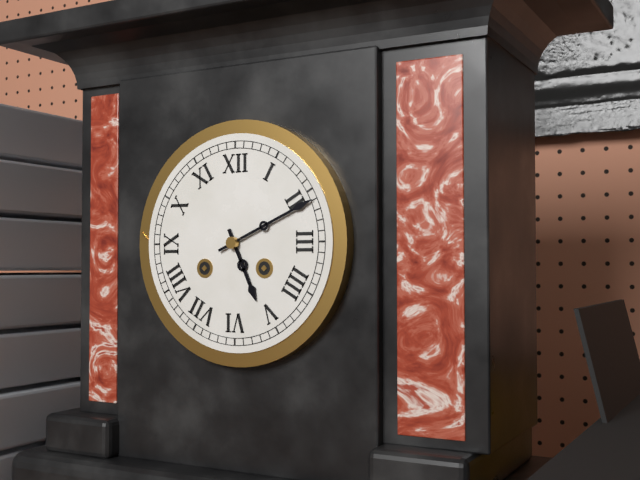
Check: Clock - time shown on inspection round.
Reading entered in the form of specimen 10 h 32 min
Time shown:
5 h 11 min
